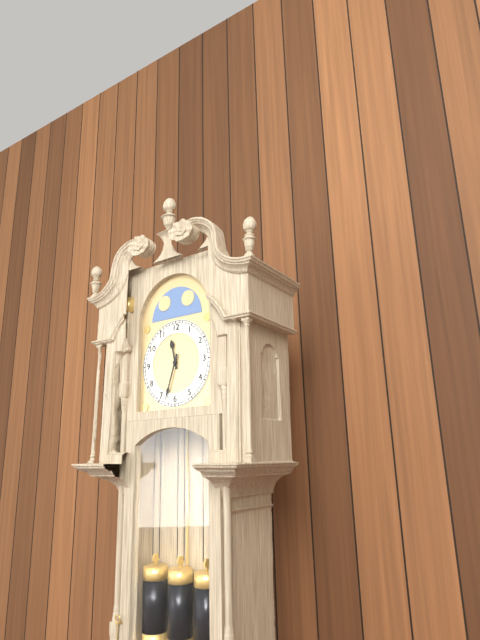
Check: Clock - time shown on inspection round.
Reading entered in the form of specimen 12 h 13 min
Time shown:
11 h 33 min
